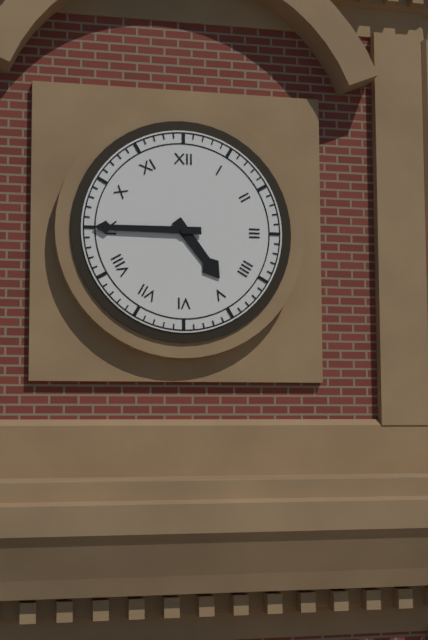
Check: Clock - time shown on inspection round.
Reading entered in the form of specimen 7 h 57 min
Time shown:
4 h 45 min
